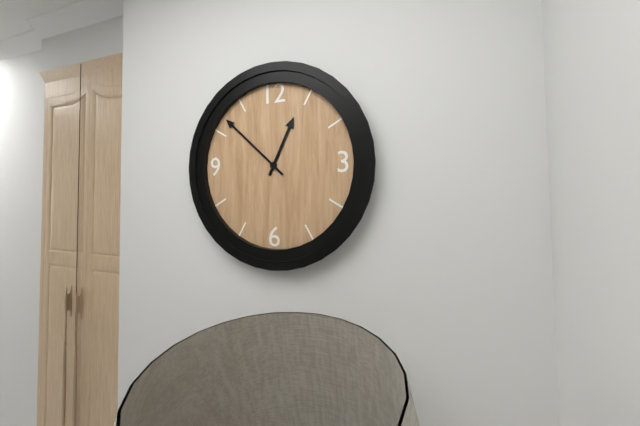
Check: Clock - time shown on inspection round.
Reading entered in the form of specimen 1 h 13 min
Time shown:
12 h 52 min
